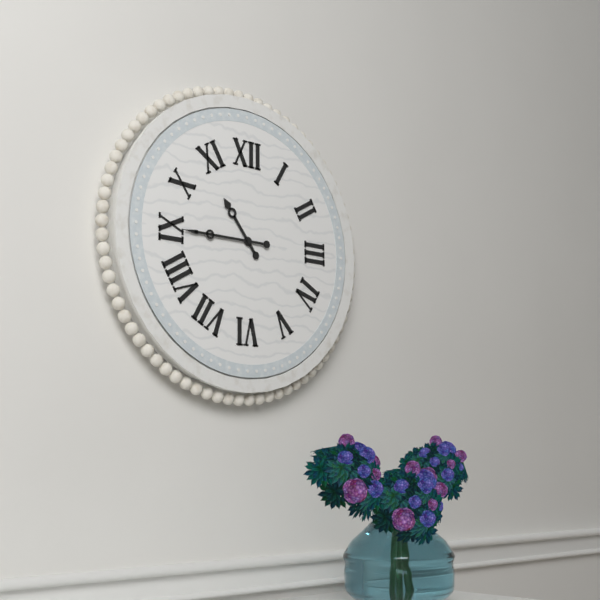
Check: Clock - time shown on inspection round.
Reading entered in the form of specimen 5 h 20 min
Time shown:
10 h 45 min
